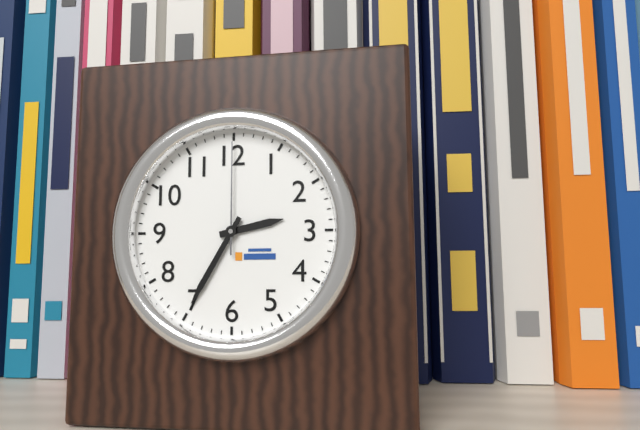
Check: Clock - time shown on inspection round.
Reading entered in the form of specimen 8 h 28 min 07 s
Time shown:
2 h 35 min 00 s
